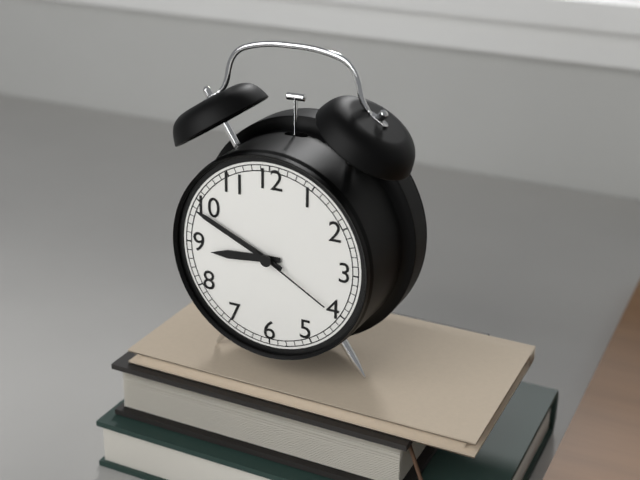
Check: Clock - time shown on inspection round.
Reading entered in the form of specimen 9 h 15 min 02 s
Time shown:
8 h 49 min 20 s
